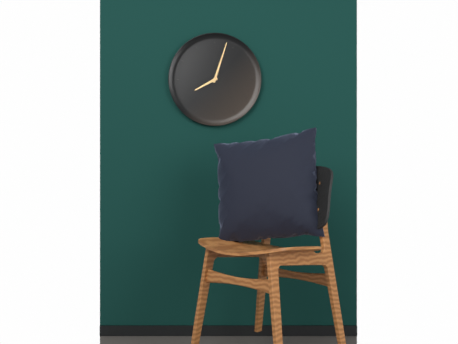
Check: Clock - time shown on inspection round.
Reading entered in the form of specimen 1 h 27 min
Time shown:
8 h 03 min
